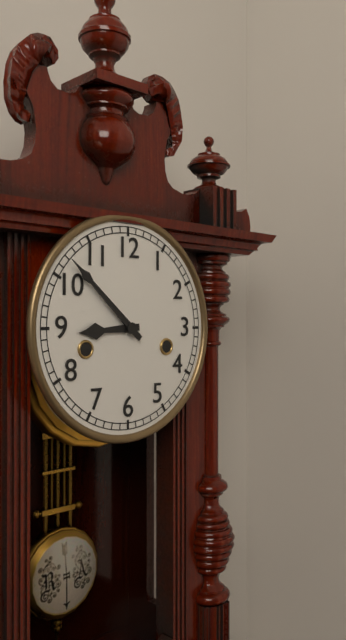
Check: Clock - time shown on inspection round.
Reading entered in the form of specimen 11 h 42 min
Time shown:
8 h 52 min
